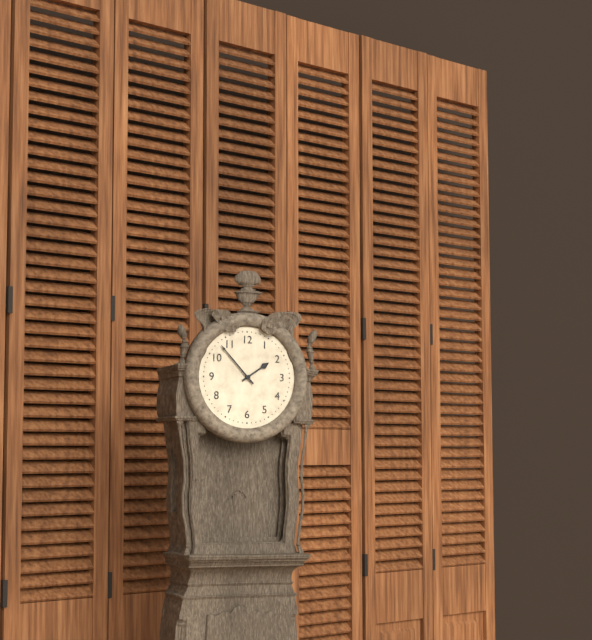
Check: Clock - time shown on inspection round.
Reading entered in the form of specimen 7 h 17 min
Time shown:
1 h 53 min
